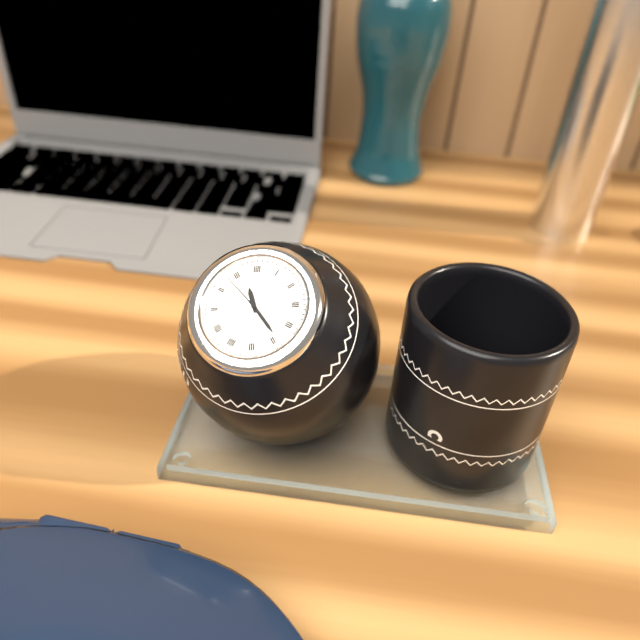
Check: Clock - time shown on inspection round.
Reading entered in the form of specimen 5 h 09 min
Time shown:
11 h 24 min
